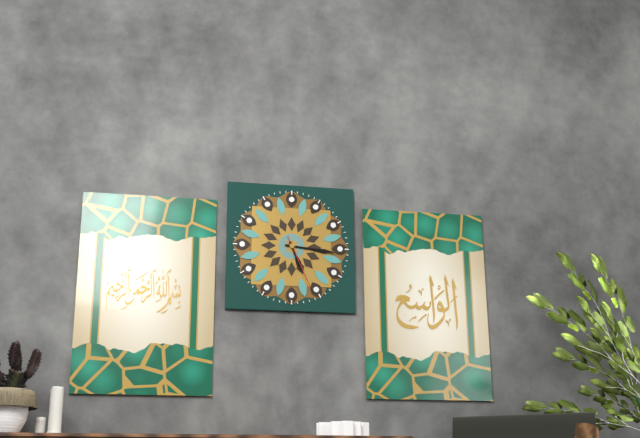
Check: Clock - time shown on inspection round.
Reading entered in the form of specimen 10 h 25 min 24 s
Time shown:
5 h 16 min 26 s
